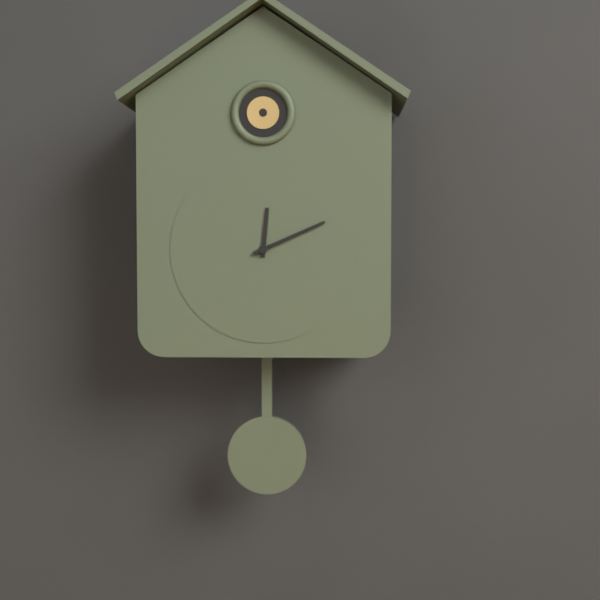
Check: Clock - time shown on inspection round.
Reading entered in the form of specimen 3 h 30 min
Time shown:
12 h 11 min
